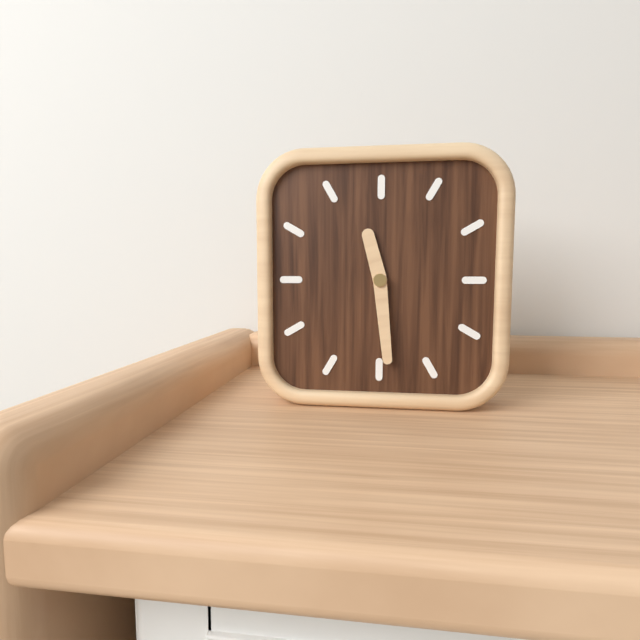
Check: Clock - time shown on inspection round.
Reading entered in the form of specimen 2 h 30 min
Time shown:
11 h 29 min
